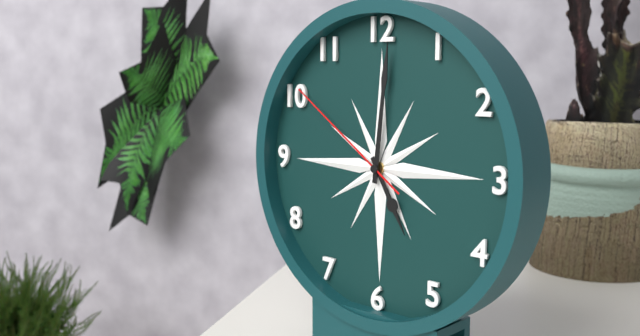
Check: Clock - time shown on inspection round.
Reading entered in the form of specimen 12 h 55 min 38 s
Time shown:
5 h 01 min 51 s
